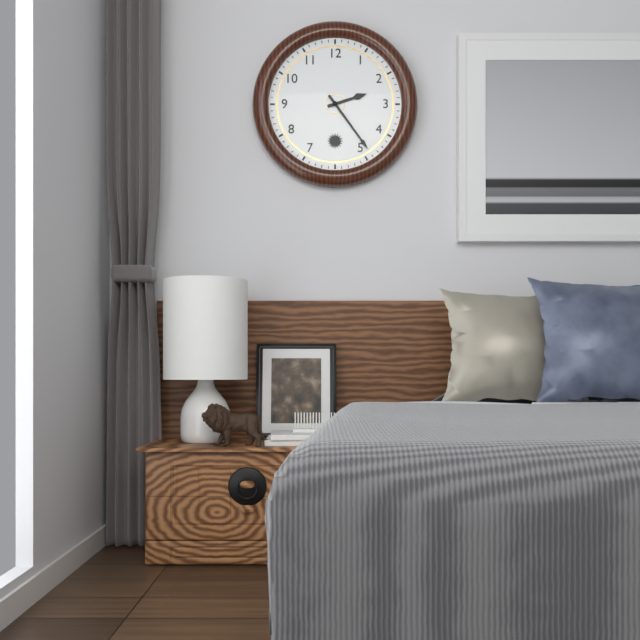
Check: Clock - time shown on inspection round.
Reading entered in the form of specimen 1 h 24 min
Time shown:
2 h 24 min
